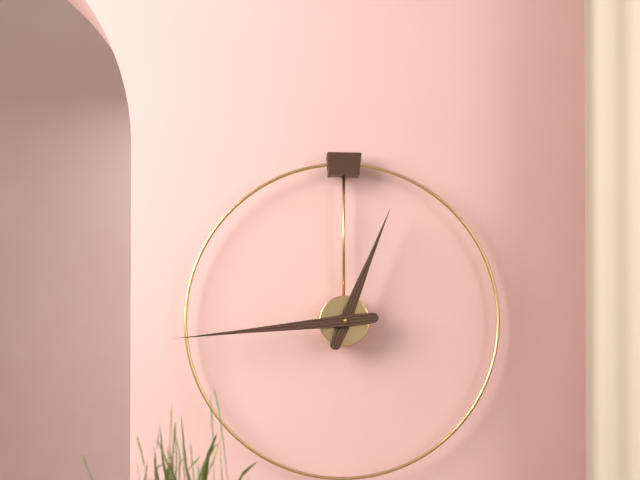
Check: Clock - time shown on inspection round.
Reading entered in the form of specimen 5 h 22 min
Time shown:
12 h 44 min
